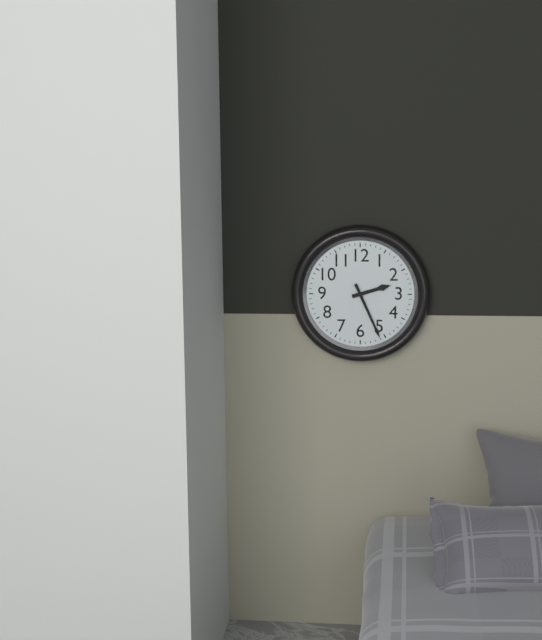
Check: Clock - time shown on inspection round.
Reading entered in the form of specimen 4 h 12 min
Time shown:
2 h 26 min
